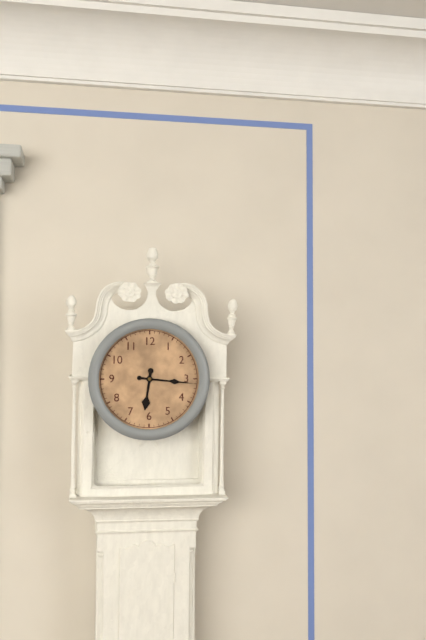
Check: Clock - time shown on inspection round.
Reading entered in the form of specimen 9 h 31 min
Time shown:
6 h 16 min
